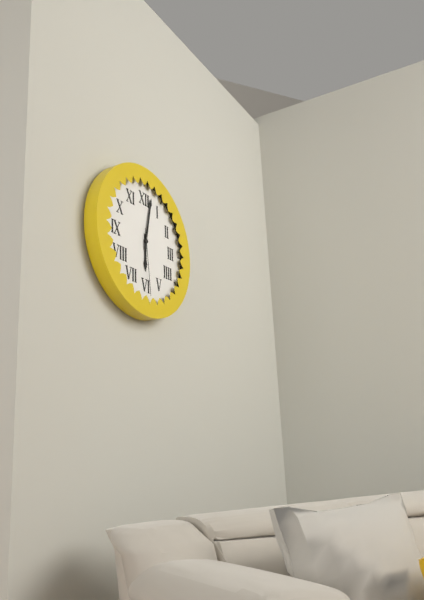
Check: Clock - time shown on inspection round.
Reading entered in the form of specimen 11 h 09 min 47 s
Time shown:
6 h 02 min 29 s
